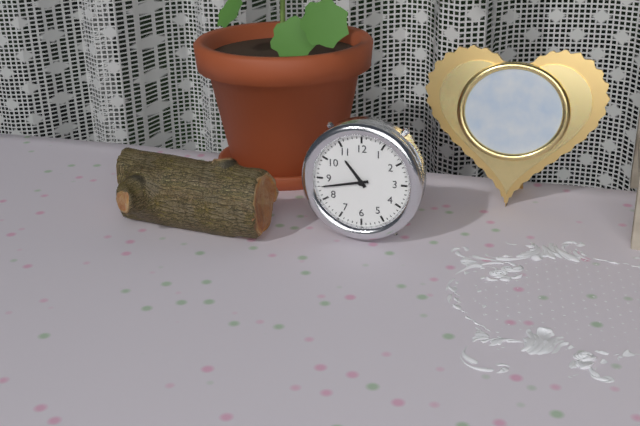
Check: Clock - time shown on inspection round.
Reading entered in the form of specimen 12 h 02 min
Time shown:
10 h 43 min
